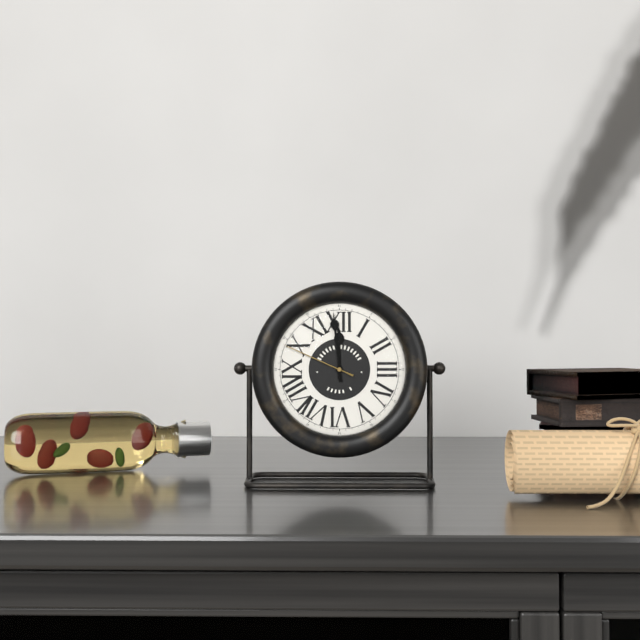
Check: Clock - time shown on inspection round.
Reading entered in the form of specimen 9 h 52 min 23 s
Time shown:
11 h 59 min 49 s
